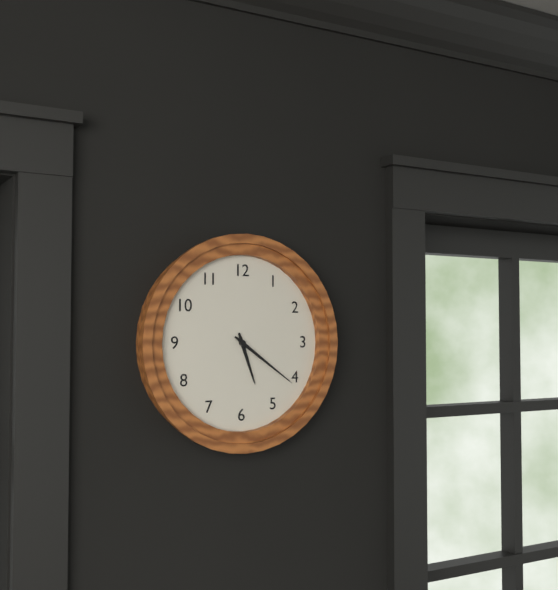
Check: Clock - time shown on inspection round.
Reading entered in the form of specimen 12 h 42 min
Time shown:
5 h 21 min
